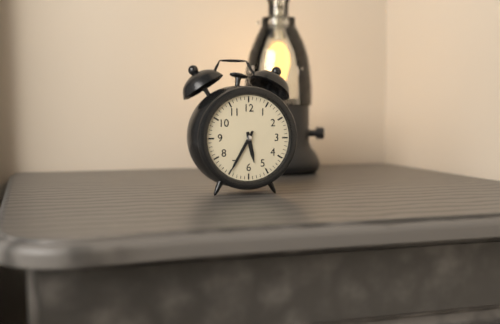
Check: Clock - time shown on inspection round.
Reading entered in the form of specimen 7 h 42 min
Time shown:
5 h 35 min
